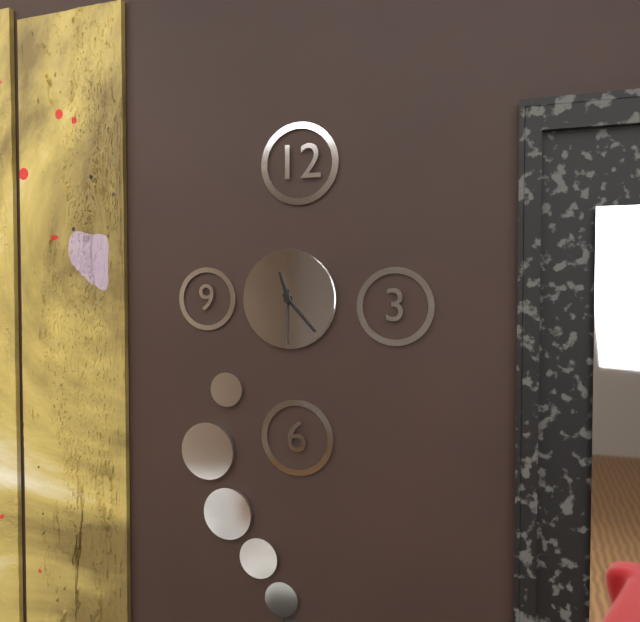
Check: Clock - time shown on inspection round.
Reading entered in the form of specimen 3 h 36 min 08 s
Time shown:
11 h 23 min 30 s
